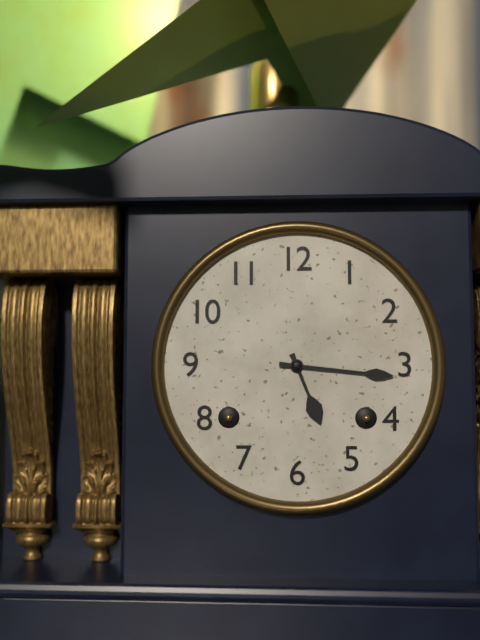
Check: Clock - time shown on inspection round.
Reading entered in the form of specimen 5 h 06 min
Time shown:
5 h 16 min
